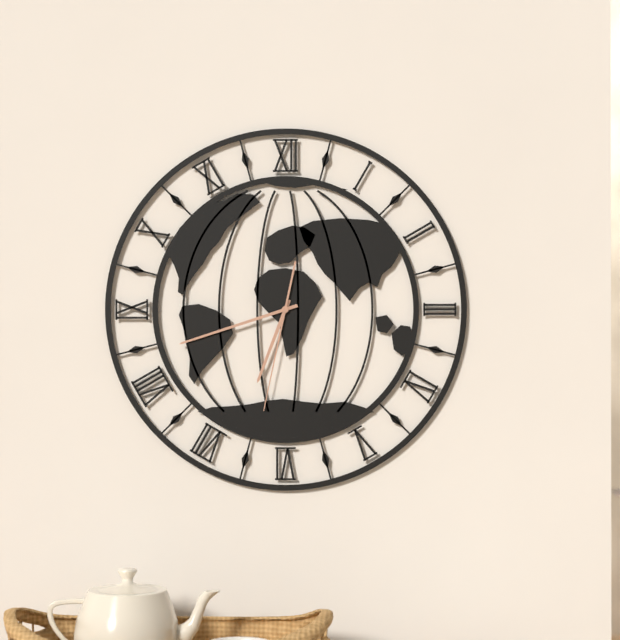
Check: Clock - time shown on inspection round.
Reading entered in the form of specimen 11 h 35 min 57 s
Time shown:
6 h 42 min 32 s
